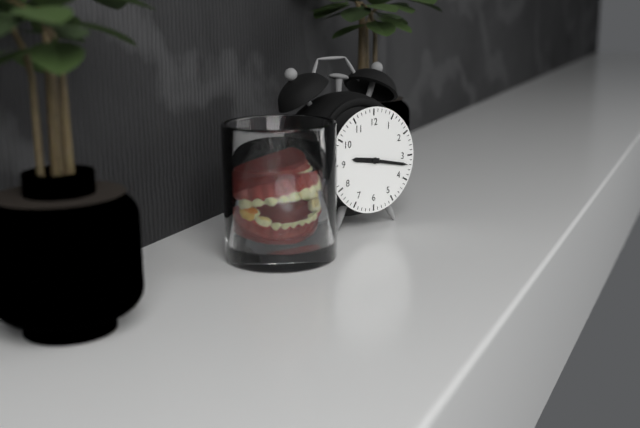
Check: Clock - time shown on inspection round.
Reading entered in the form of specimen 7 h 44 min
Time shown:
9 h 17 min
